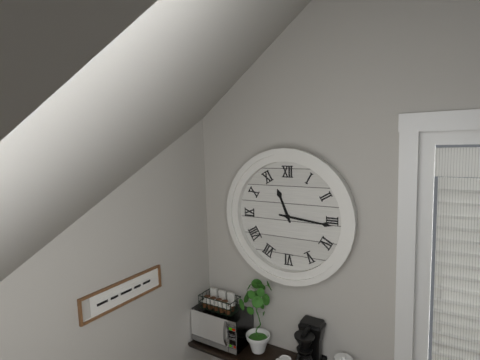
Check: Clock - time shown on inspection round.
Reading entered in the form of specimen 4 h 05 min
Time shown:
11 h 16 min
